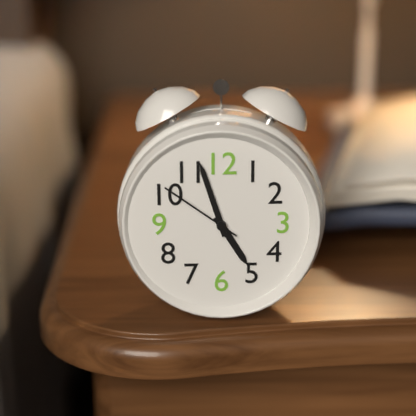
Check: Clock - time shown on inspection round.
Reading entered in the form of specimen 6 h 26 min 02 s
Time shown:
4 h 57 min 51 s
